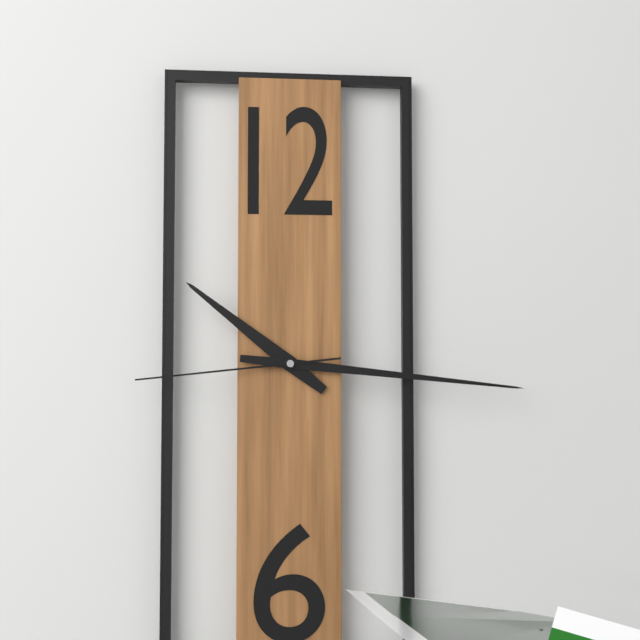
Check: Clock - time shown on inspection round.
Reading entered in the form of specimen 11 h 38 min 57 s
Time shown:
10 h 16 min 44 s
